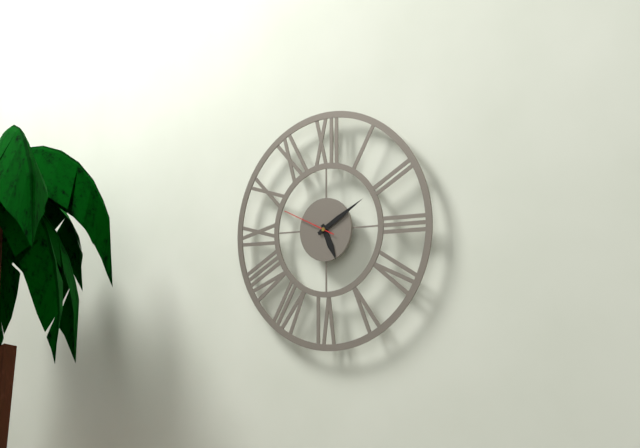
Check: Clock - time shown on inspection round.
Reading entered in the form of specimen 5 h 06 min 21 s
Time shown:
5 h 10 min 49 s
